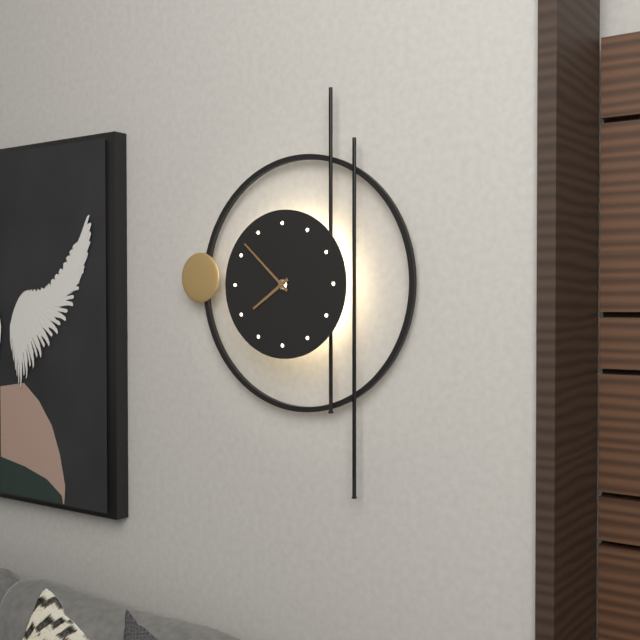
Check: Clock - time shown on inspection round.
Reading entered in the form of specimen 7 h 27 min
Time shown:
7 h 52 min
